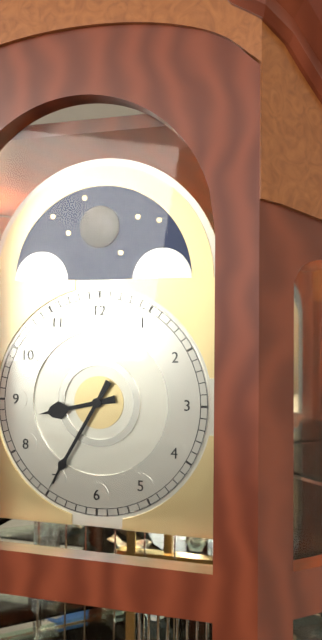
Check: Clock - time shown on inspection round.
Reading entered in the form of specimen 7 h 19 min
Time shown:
8 h 35 min
